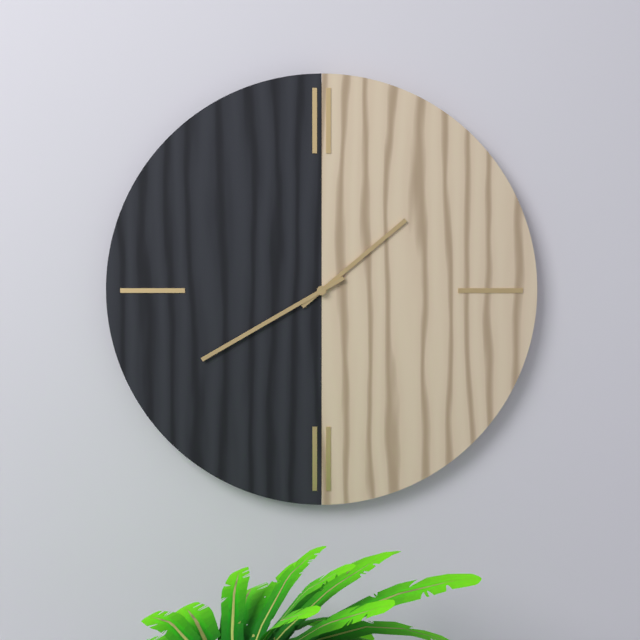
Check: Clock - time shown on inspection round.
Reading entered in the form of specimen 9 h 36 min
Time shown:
1 h 40 min
